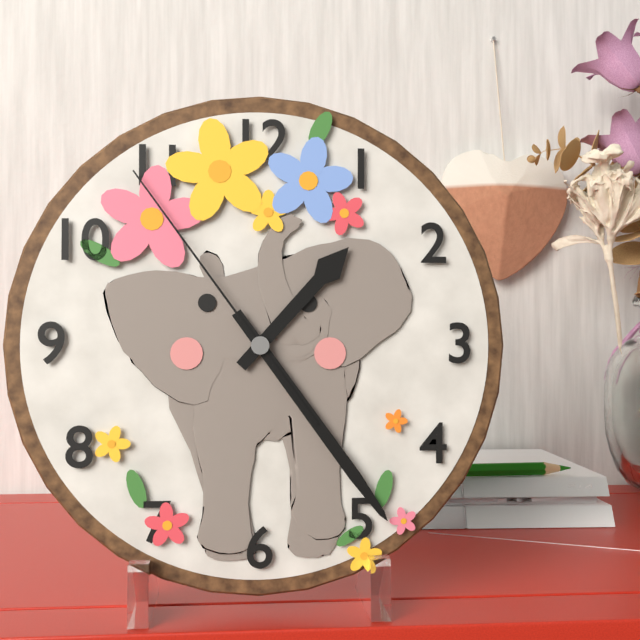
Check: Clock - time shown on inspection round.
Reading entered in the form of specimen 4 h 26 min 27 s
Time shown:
1 h 24 min 54 s
